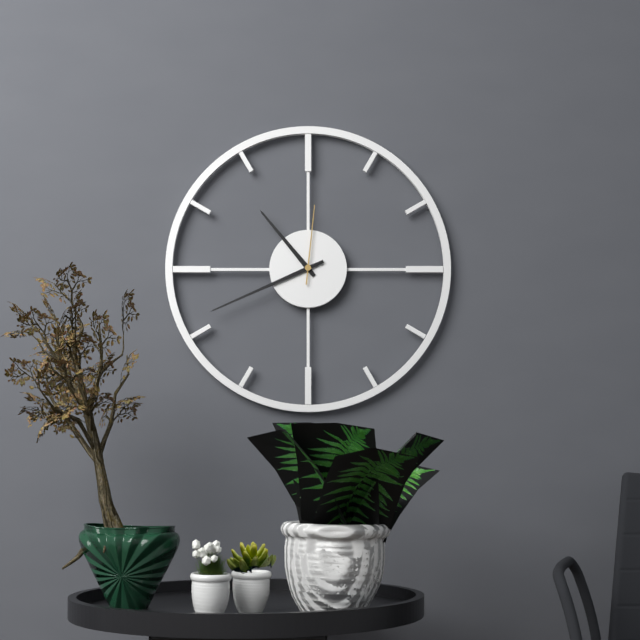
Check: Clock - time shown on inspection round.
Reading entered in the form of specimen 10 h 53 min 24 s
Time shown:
10 h 41 min 01 s
